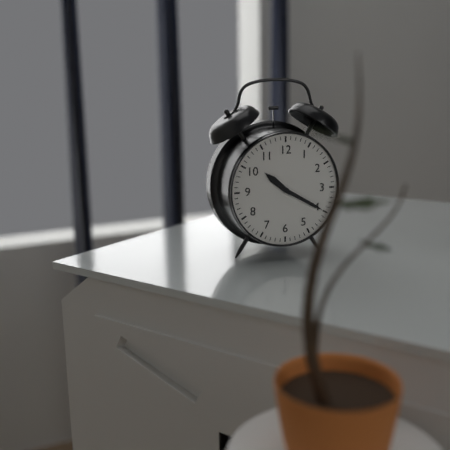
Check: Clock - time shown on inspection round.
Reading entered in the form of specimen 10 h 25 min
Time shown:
10 h 20 min
